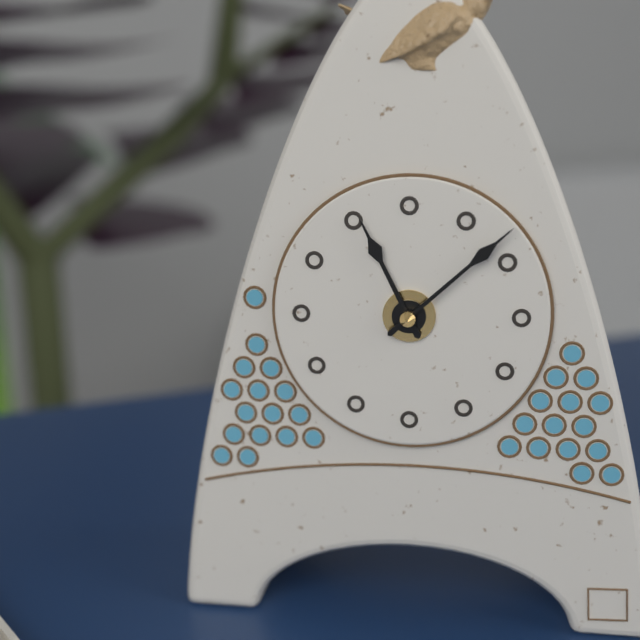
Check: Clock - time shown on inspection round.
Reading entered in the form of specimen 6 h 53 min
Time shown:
11 h 08 min
